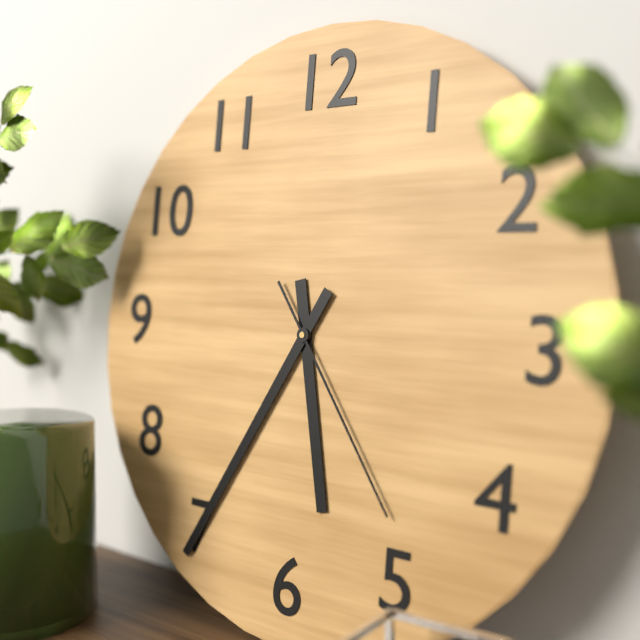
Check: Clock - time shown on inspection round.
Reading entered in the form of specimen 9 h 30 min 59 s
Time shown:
5 h 35 min 24 s
